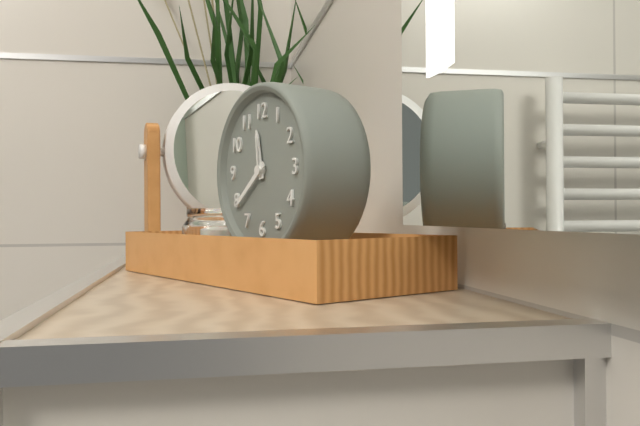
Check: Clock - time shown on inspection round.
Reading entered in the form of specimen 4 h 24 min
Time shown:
11 h 39 min
